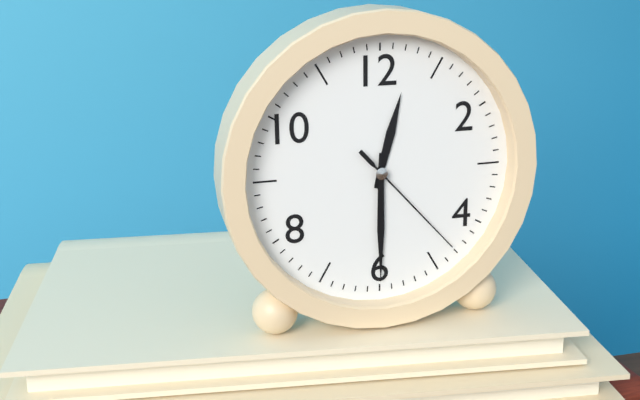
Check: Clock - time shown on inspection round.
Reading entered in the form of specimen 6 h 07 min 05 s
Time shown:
12 h 30 min 23 s
